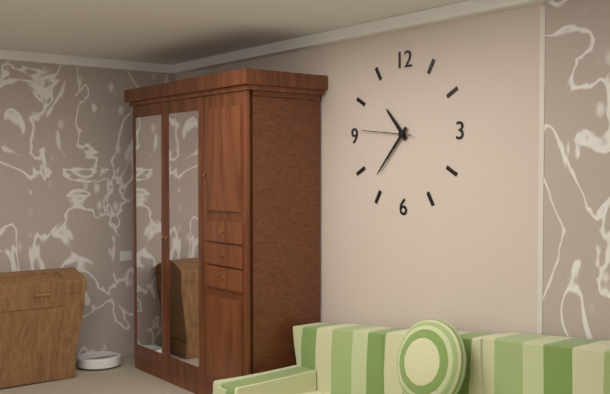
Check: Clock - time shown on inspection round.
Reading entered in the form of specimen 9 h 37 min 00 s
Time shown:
10 h 37 min 46 s
